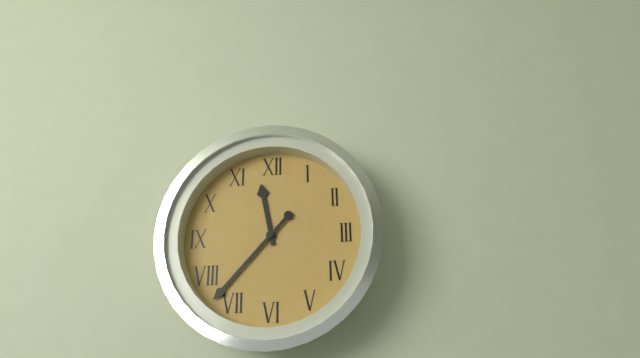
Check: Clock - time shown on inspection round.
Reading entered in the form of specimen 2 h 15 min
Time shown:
11 h 37 min
